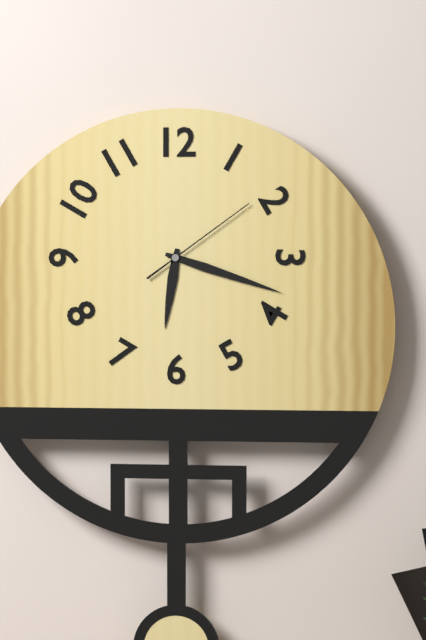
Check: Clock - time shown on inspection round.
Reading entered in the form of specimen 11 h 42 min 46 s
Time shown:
6 h 18 min 09 s
